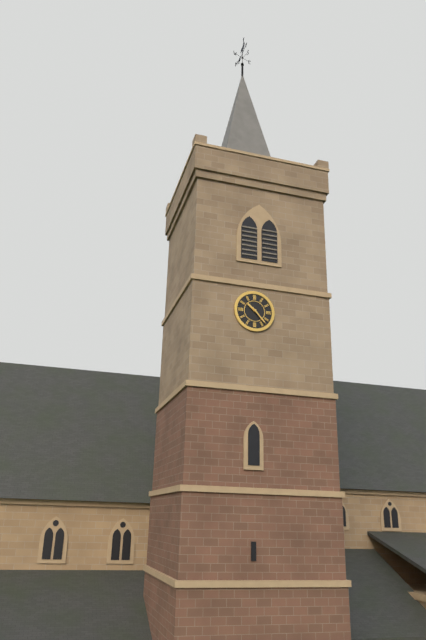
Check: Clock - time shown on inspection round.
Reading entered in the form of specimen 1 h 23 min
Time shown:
10 h 23 min
